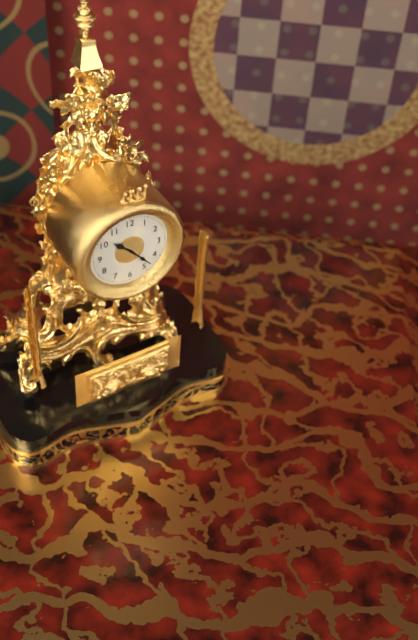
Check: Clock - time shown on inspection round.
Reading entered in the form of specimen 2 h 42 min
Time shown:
10 h 23 min
